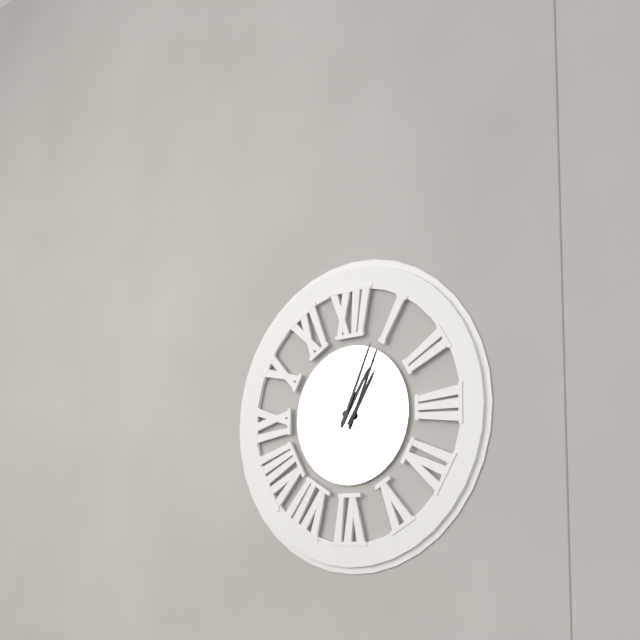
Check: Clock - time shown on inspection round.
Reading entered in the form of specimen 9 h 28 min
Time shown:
1 h 04 min
